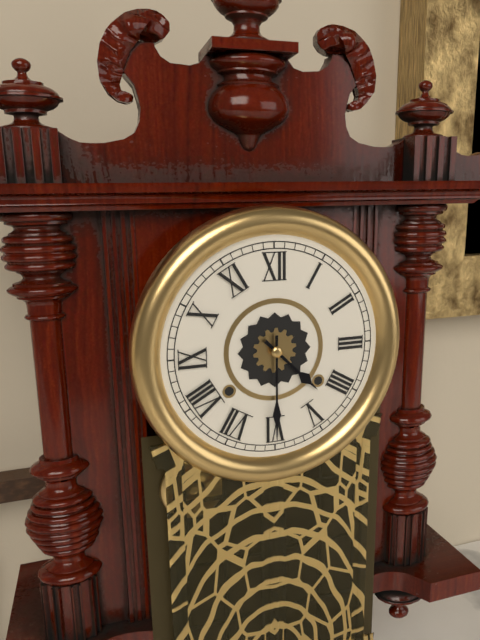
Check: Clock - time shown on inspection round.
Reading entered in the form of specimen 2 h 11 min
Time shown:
4 h 30 min
